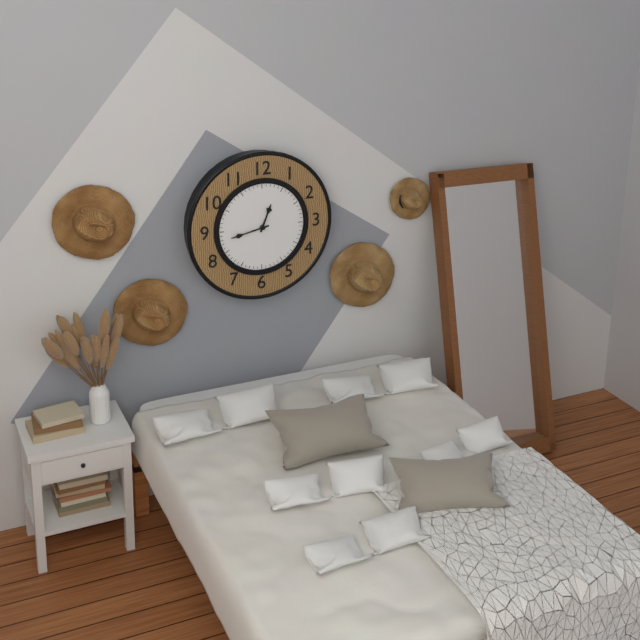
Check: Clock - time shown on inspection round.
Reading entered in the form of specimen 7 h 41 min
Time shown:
12 h 43 min
